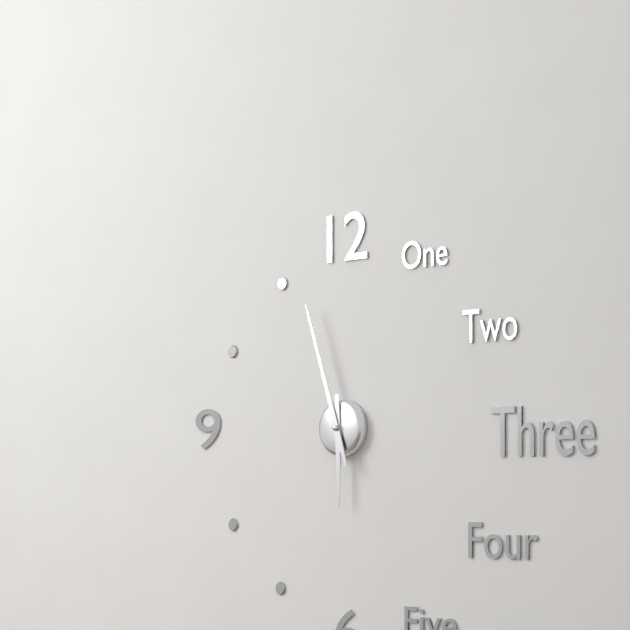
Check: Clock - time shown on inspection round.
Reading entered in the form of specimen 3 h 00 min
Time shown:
5 h 57 min
